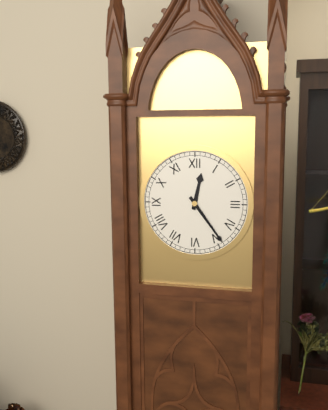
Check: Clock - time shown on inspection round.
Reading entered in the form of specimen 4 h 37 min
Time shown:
12 h 24 min
